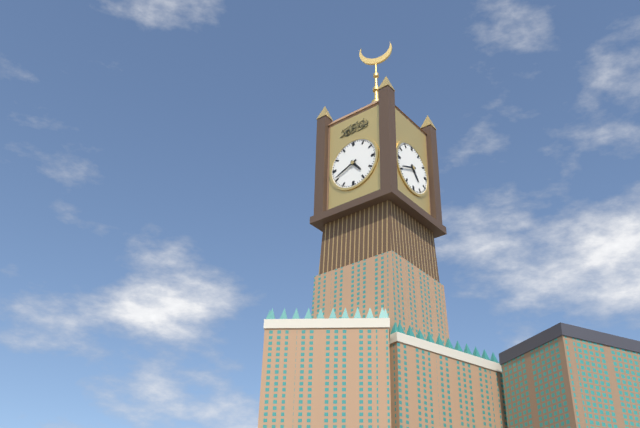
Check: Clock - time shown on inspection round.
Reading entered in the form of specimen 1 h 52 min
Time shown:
4 h 41 min
